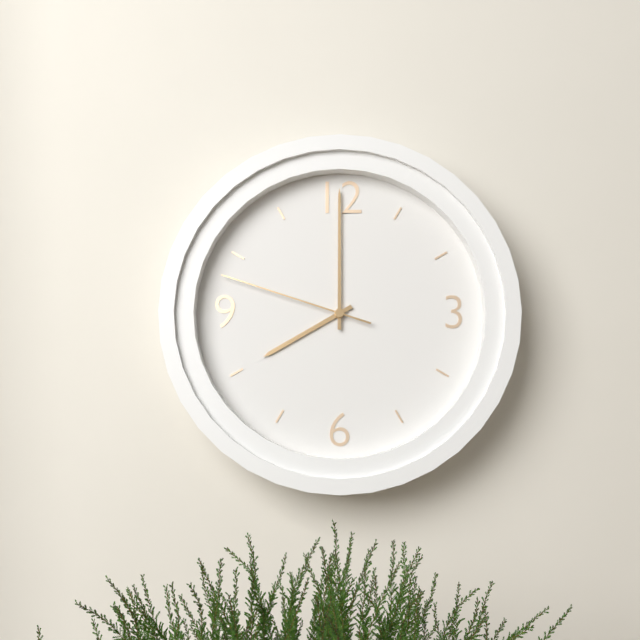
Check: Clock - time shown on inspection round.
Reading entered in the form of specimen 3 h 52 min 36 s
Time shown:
8 h 00 min 48 s
